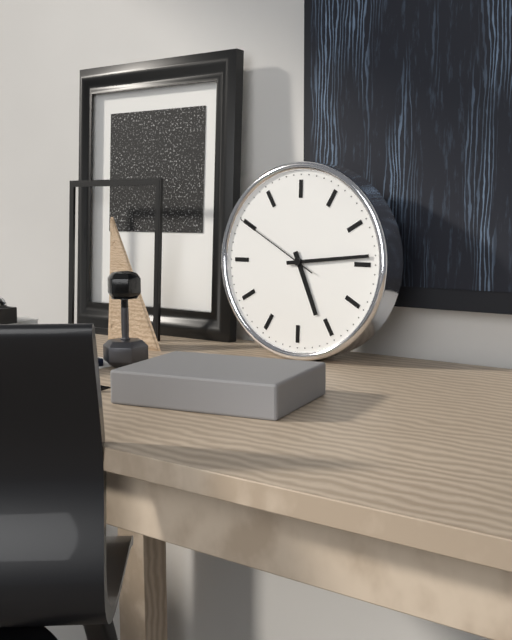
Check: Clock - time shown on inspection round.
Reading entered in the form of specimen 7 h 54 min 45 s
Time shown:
5 h 14 min 50 s
